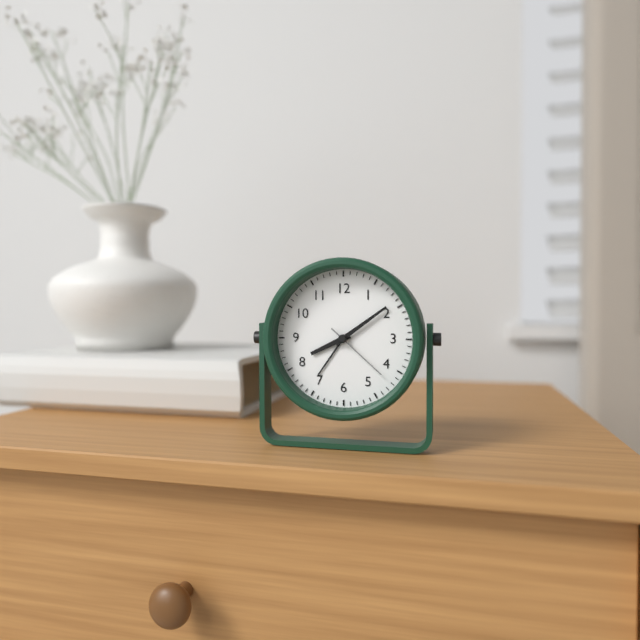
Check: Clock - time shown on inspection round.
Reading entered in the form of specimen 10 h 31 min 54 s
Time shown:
8 h 09 min 22 s
